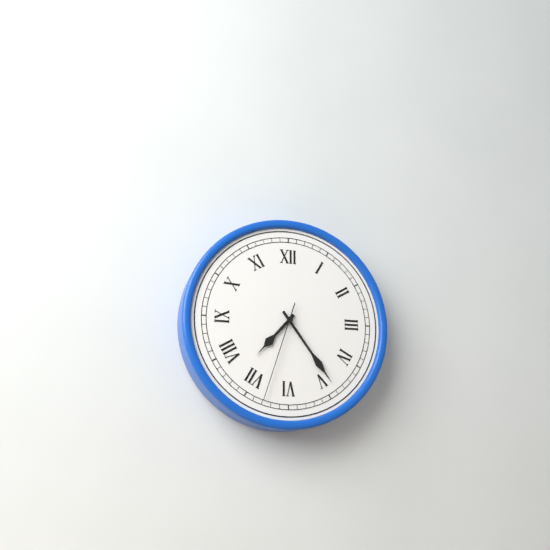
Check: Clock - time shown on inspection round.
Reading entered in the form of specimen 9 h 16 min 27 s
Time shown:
7 h 24 min 33 s
